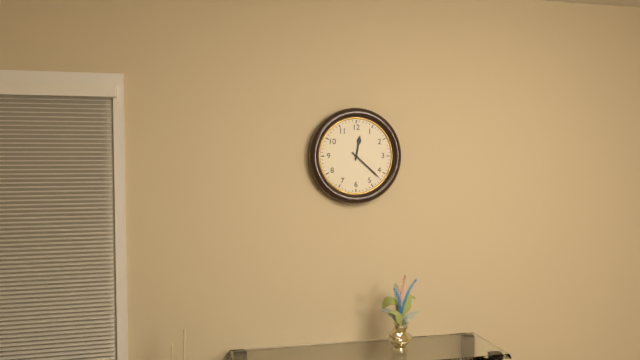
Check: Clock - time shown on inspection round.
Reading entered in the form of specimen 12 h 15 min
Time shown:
12 h 22 min
